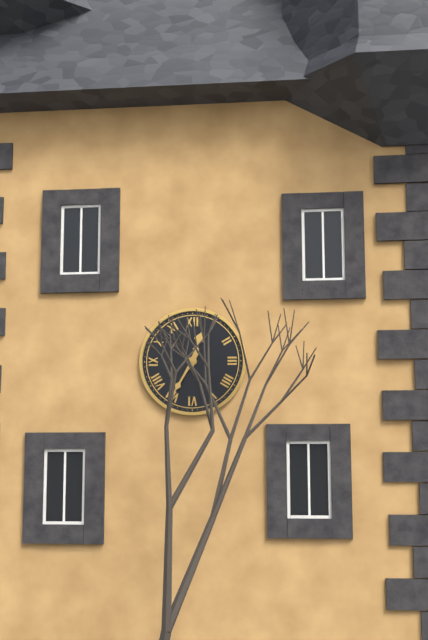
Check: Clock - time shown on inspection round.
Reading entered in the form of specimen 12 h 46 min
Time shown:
12 h 35 min
